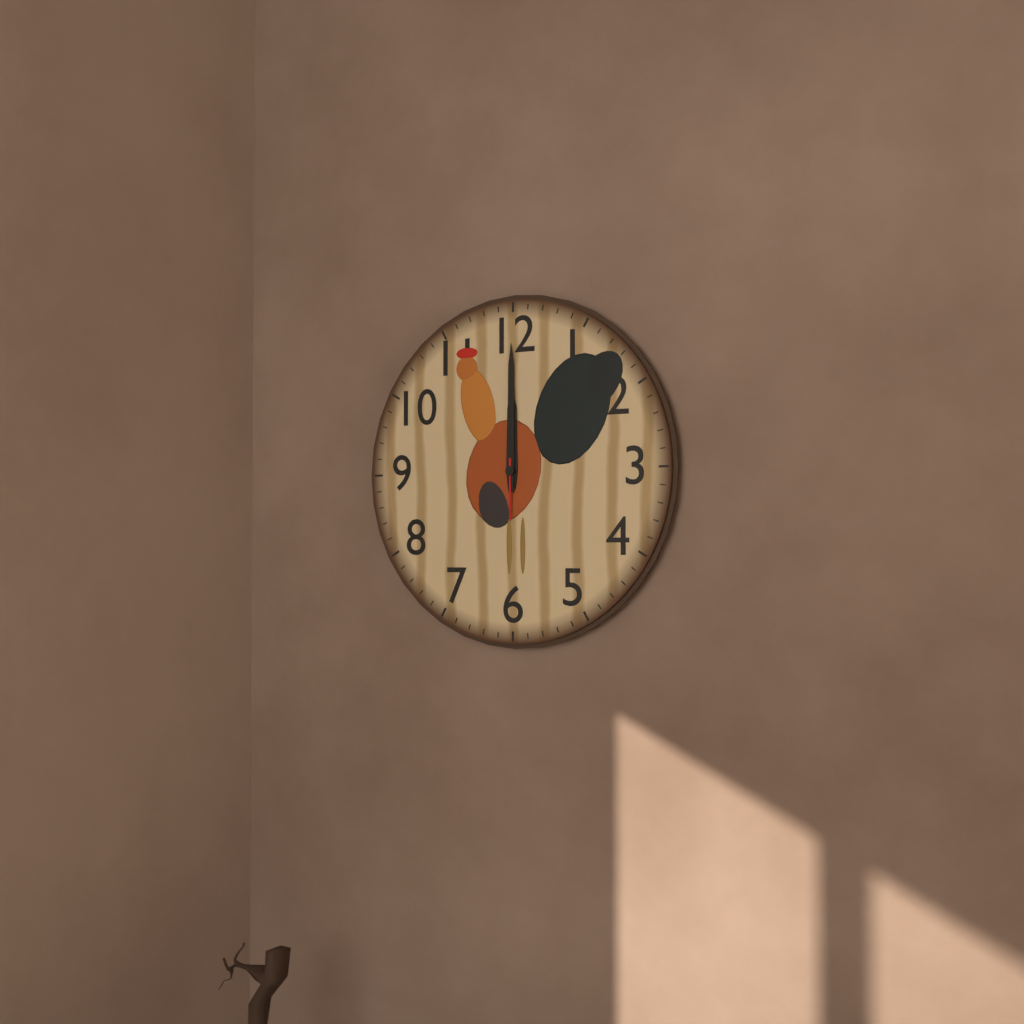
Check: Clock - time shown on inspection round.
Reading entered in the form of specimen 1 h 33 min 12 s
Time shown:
12 h 00 min 30 s
